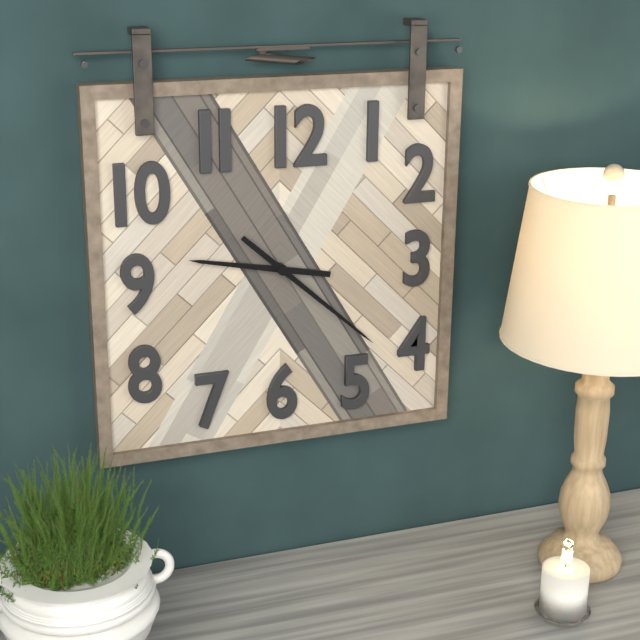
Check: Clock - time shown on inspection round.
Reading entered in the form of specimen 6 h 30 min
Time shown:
9 h 22 min
